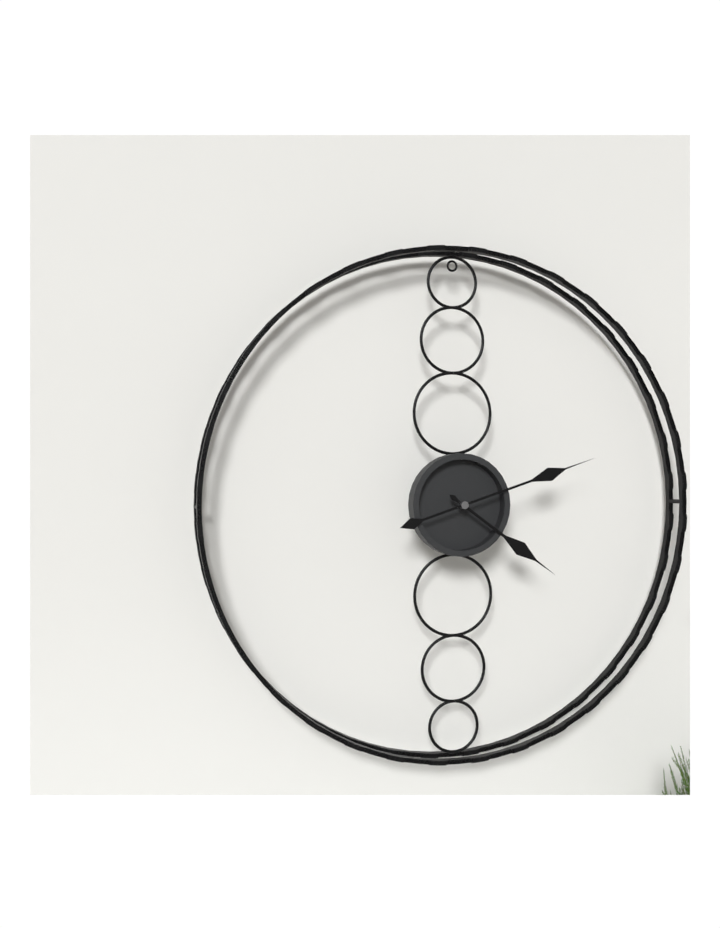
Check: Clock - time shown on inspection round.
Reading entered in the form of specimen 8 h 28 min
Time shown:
4 h 12 min
